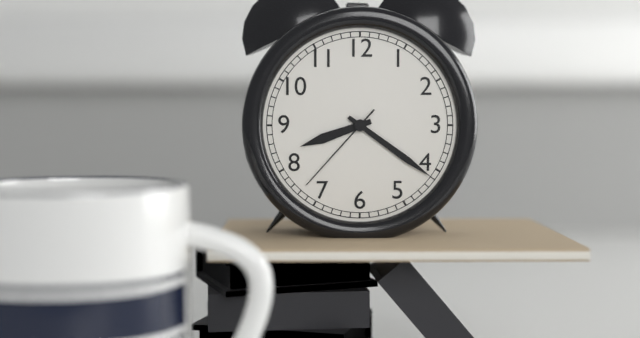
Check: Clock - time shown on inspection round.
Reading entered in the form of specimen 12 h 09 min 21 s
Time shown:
8 h 21 min 37 s
